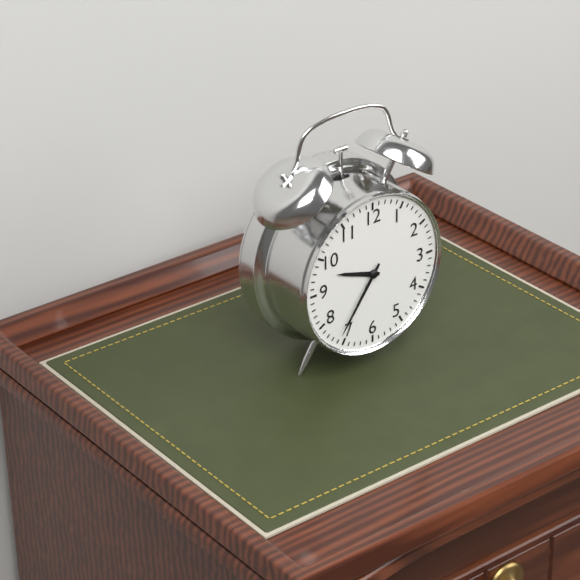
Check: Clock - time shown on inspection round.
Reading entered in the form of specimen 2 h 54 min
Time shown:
9 h 36 min
